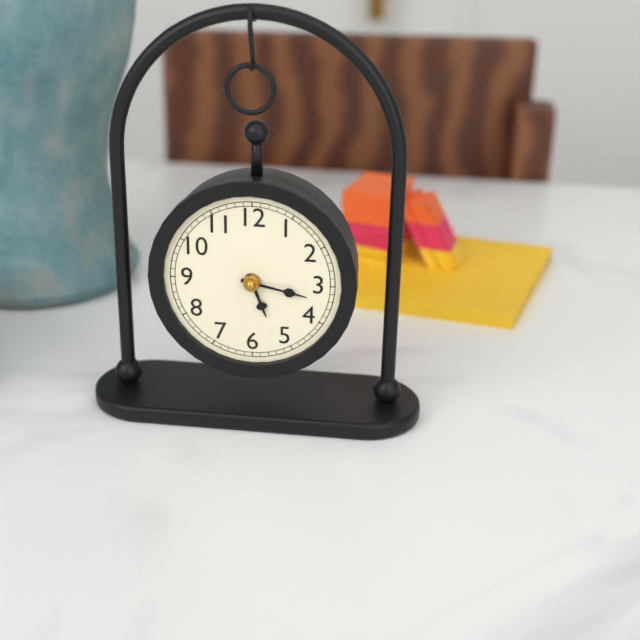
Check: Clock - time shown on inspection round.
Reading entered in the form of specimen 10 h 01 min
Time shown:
5 h 17 min
